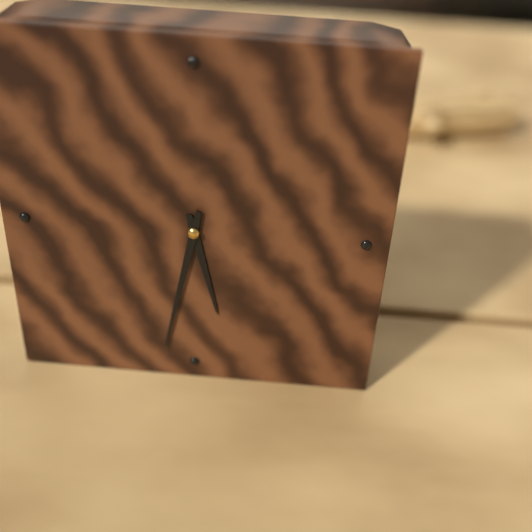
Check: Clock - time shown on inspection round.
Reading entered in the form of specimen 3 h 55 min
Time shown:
5 h 32 min
